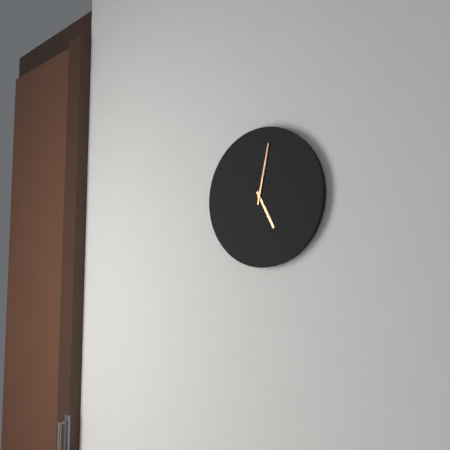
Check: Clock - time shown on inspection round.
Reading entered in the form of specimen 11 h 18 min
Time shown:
5 h 02 min
